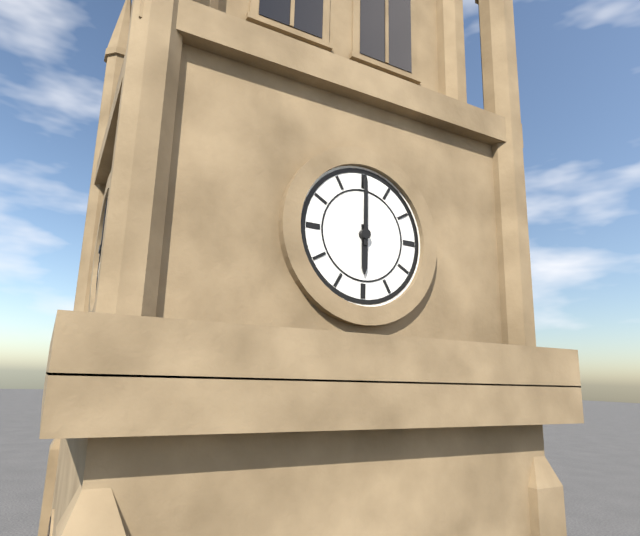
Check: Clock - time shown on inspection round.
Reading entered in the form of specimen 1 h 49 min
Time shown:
6 h 00 min
